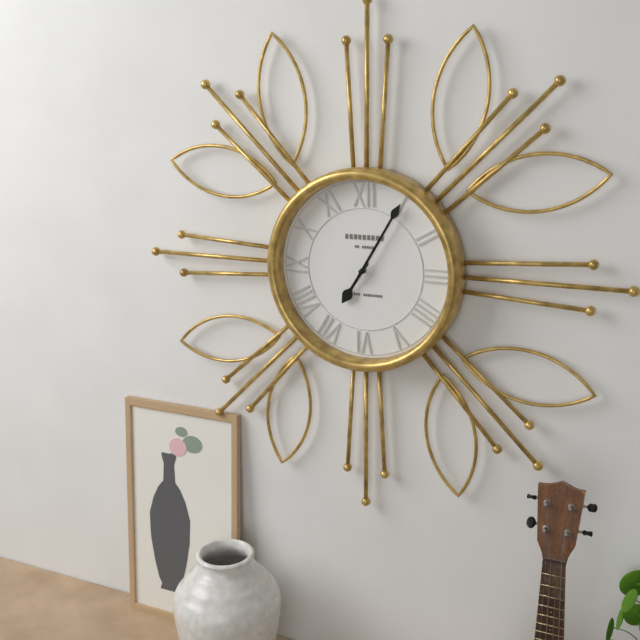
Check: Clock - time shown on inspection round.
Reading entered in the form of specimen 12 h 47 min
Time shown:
7 h 05 min
